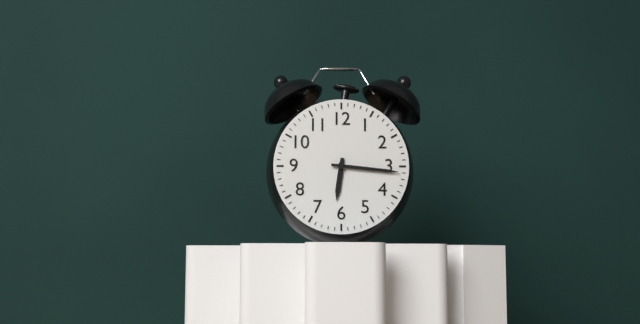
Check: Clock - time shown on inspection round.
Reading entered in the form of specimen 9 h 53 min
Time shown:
6 h 16 min
